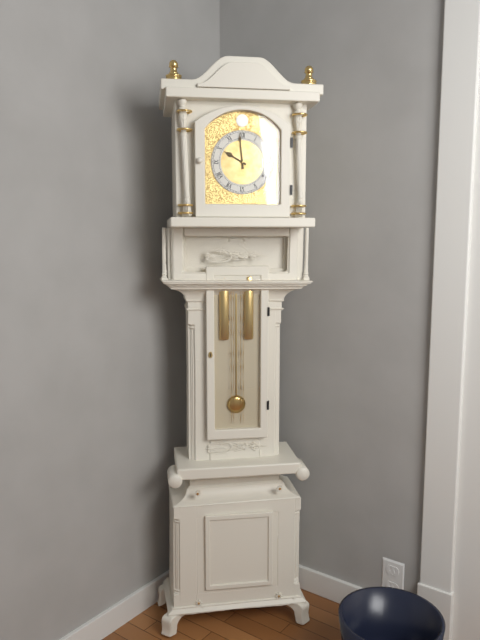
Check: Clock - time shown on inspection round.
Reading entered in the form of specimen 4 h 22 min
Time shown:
9 h 59 min
